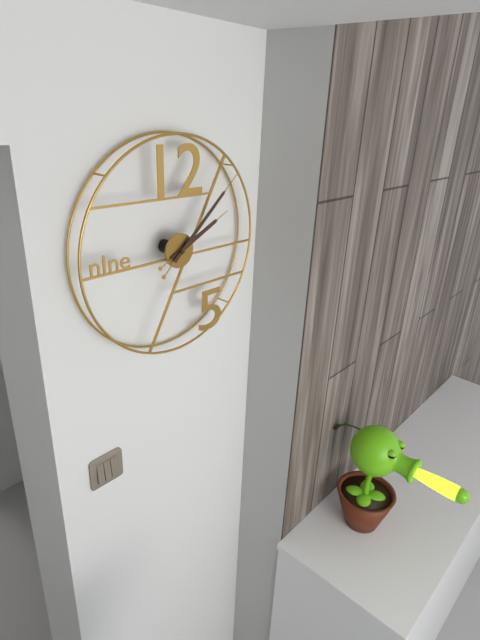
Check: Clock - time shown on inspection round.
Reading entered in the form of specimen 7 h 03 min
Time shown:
2 h 08 min
